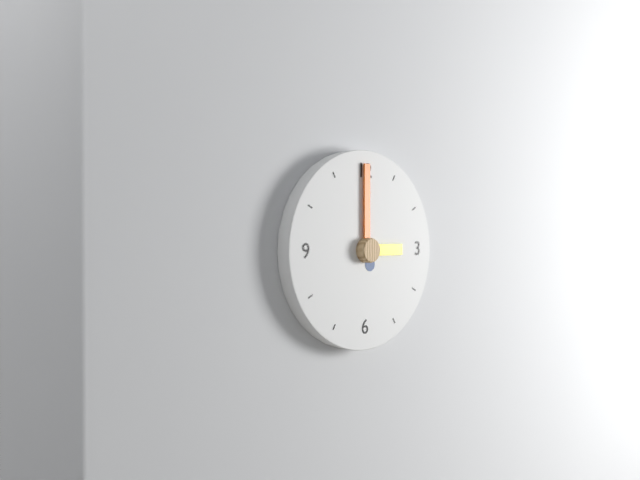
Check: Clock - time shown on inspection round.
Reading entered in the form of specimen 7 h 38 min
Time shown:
3 h 00 min
